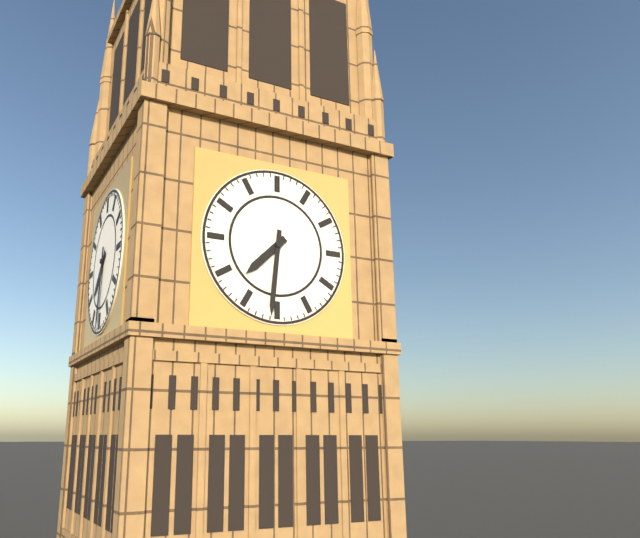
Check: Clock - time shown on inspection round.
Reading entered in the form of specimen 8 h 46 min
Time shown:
7 h 31 min
